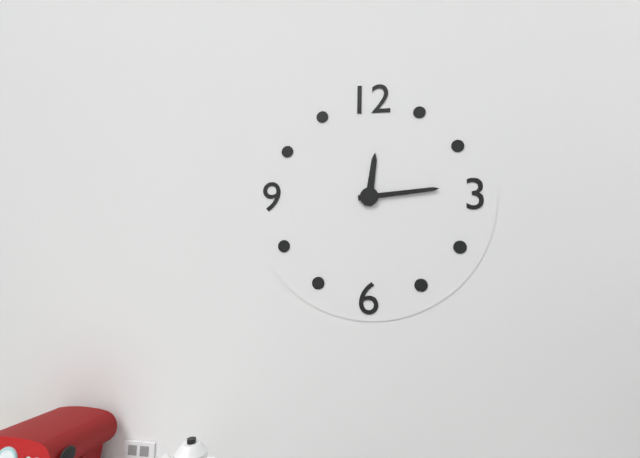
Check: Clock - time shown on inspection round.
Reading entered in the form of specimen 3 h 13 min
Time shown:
12 h 14 min
